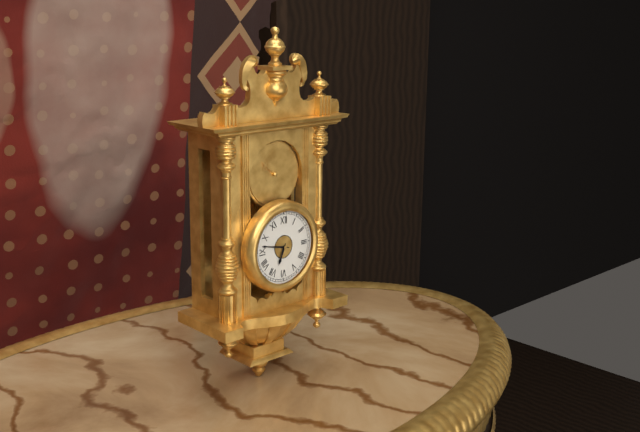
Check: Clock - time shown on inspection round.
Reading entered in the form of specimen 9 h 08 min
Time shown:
6 h 47 min
